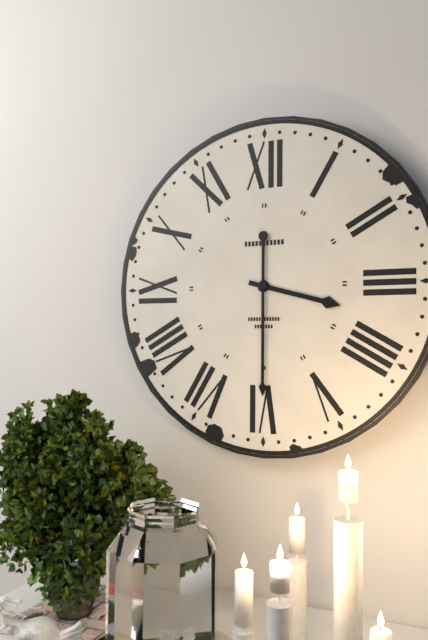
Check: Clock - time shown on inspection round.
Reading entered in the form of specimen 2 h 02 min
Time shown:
3 h 30 min
